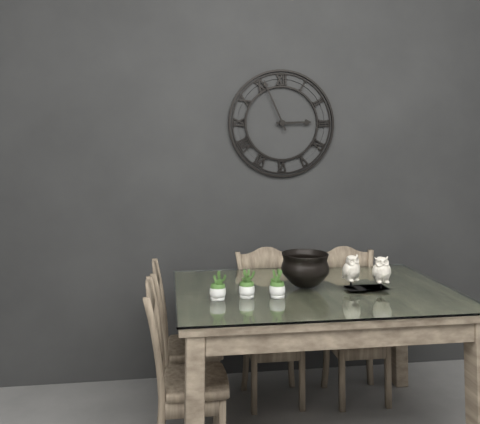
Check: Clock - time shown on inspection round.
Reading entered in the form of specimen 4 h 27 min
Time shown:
2 h 56 min
